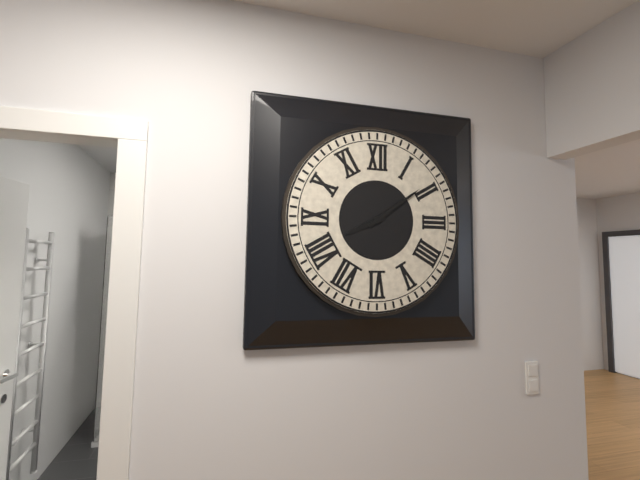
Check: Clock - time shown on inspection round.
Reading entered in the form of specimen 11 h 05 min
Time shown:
8 h 09 min
